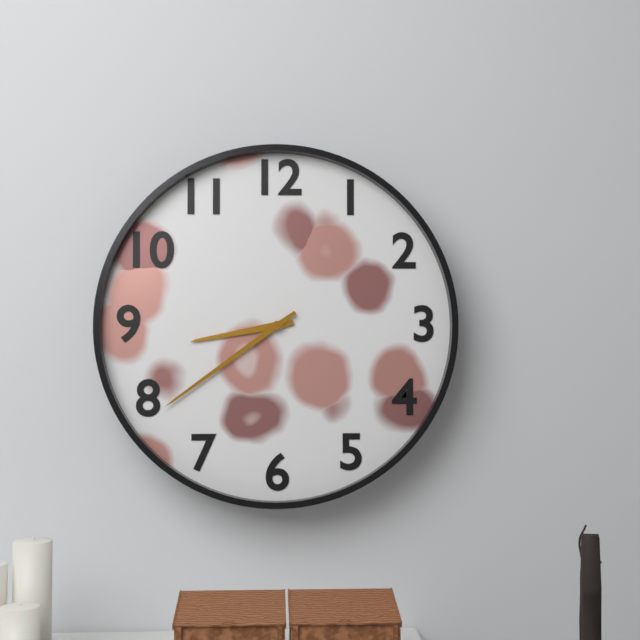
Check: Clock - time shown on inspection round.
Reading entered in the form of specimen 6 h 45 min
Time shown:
8 h 39 min
